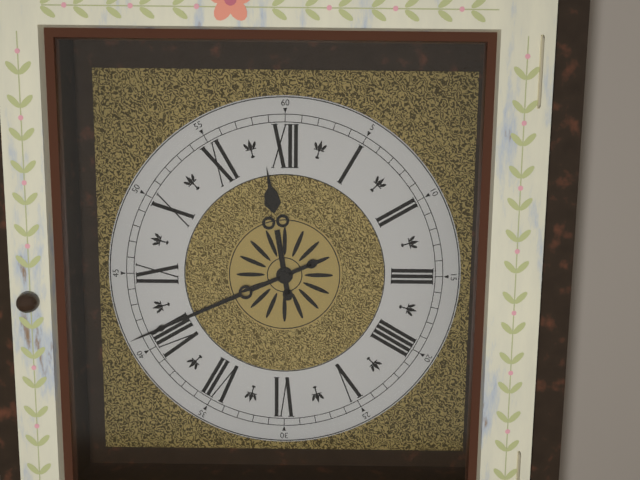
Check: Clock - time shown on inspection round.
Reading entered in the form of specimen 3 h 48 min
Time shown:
11 h 41 min
